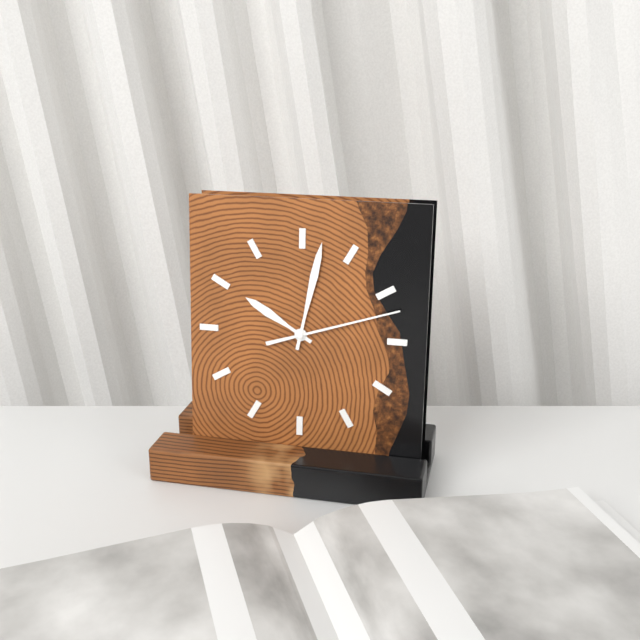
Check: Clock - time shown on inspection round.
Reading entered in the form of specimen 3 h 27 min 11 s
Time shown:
10 h 02 min 12 s
